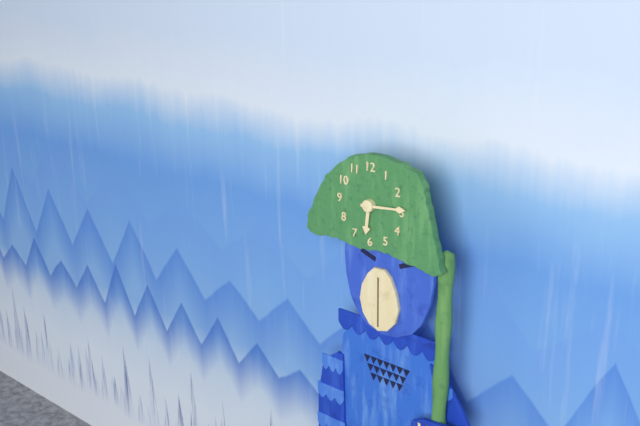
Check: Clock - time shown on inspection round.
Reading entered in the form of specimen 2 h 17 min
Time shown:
6 h 14 min
